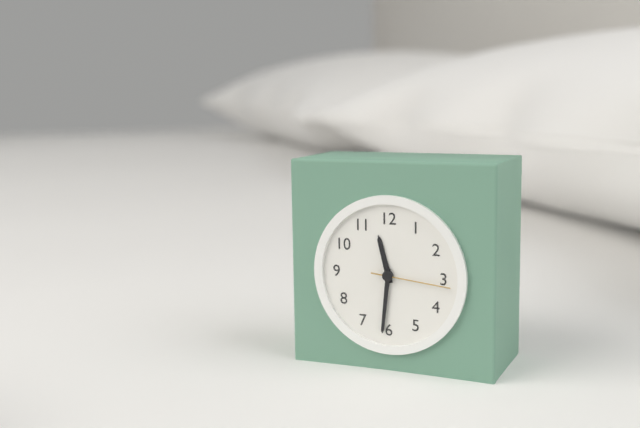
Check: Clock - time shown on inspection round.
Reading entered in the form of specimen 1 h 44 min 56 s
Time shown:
11 h 31 min 16 s
